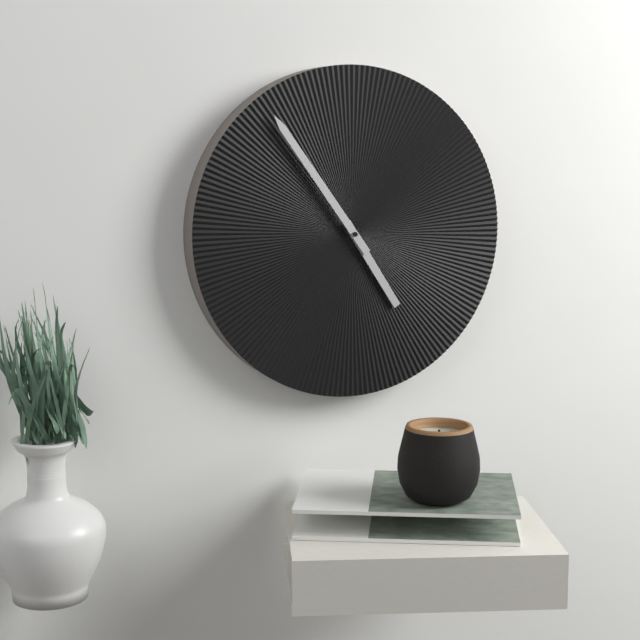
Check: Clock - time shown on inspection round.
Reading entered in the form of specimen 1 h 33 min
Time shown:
4 h 54 min
